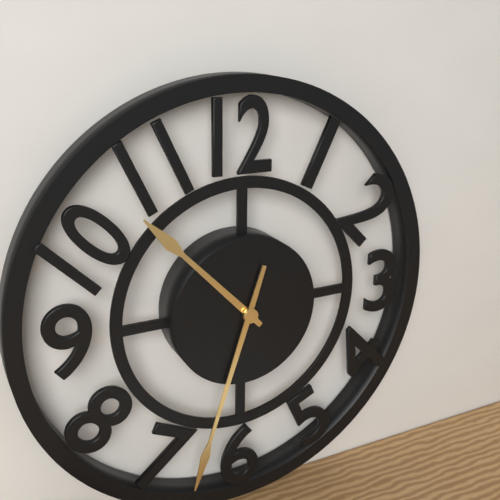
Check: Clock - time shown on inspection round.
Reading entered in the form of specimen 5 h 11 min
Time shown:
10 h 33 min
